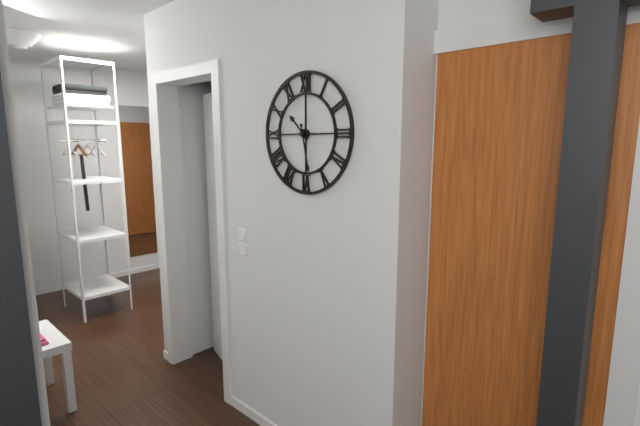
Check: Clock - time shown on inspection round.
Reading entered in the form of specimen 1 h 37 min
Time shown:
10 h 28 min
